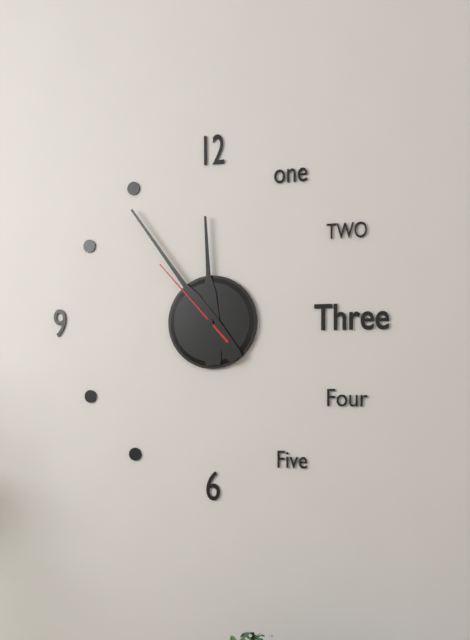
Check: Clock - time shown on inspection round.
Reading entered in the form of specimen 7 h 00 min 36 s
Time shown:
11 h 54 min 53 s
